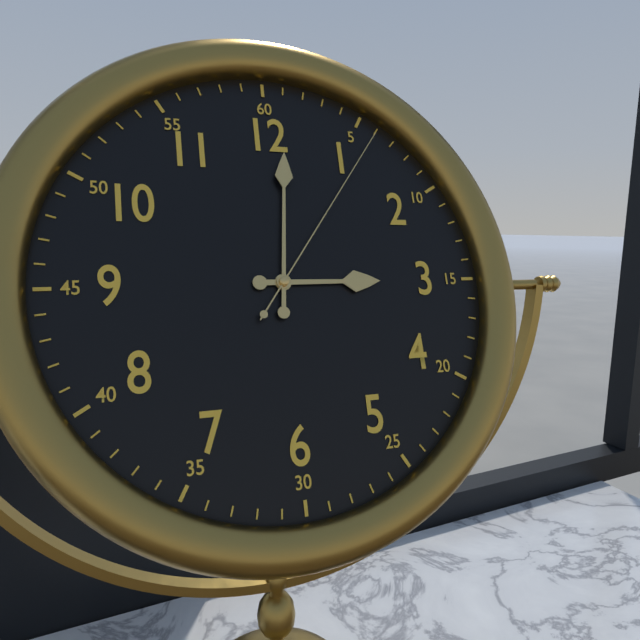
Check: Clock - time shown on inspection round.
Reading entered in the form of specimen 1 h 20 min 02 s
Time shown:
3 h 01 min 06 s
